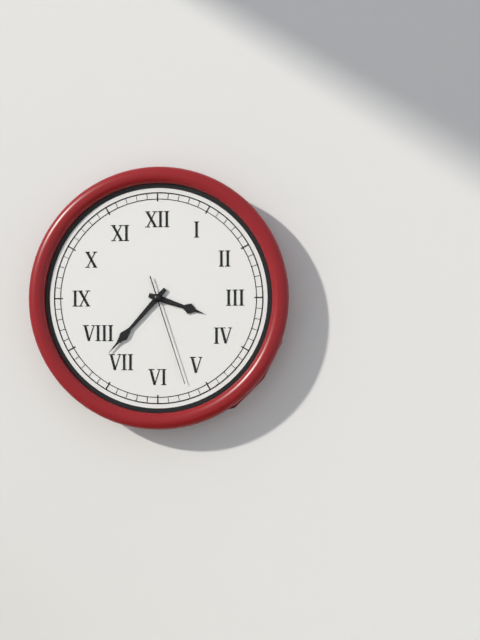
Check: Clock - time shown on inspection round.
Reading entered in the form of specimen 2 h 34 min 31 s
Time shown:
3 h 37 min 27 s
